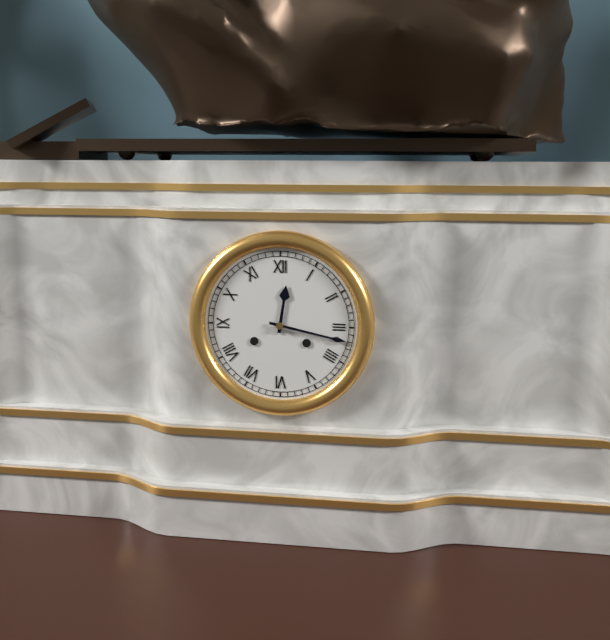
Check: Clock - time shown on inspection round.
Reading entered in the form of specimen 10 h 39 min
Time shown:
12 h 17 min
